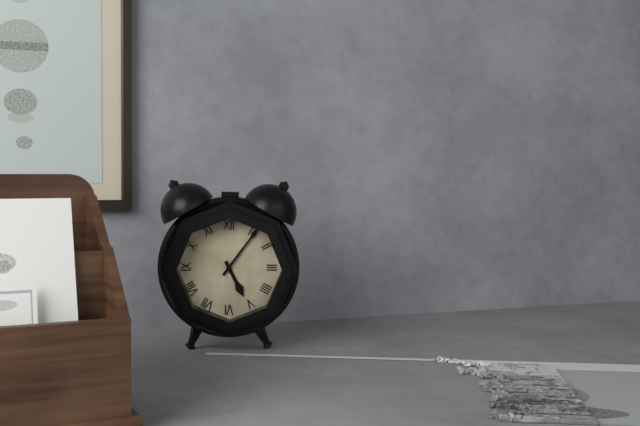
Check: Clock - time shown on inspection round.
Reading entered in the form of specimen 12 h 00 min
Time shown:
5 h 06 min
